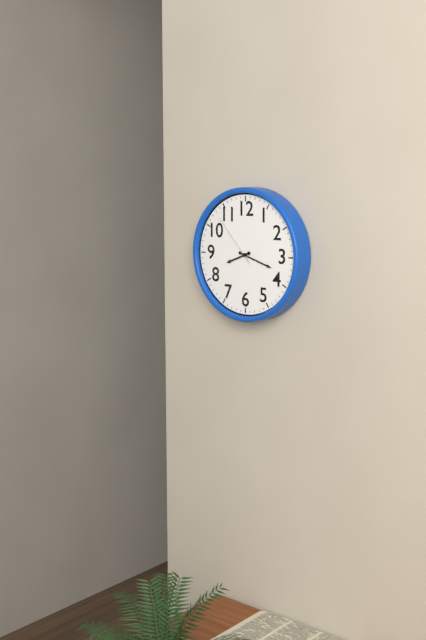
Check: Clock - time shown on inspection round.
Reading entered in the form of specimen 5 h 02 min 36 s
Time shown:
8 h 18 min 53 s
